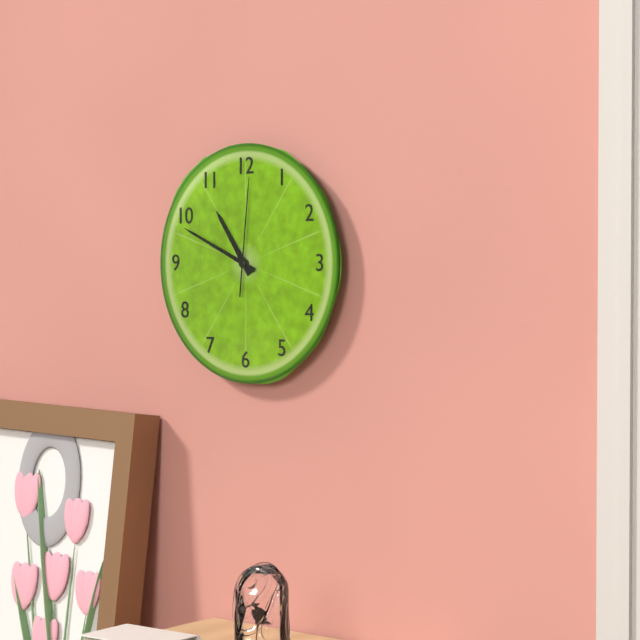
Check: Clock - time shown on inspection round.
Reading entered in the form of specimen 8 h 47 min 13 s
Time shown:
10 h 49 min 01 s
